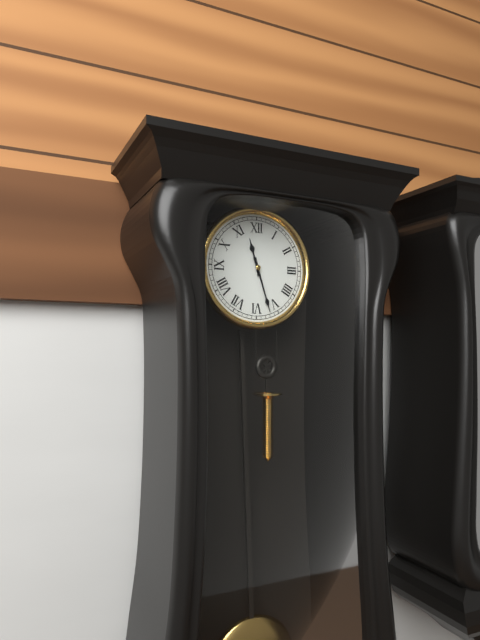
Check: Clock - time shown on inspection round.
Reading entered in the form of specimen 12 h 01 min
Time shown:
11 h 27 min
